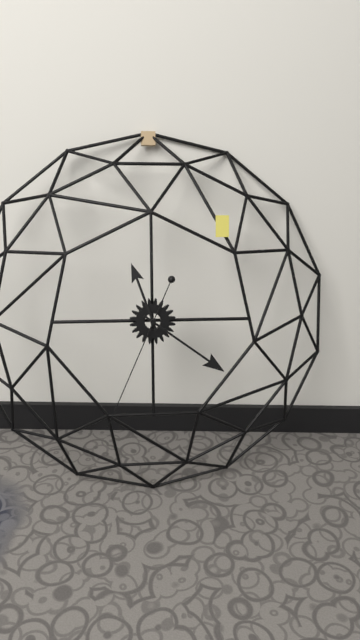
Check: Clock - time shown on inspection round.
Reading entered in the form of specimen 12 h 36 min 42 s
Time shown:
11 h 21 min 34 s
